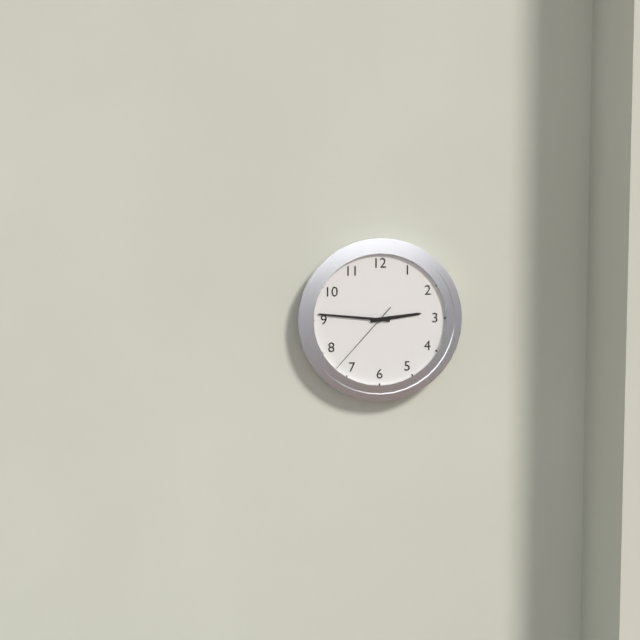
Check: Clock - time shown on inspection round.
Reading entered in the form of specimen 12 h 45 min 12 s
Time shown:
2 h 46 min 37 s
